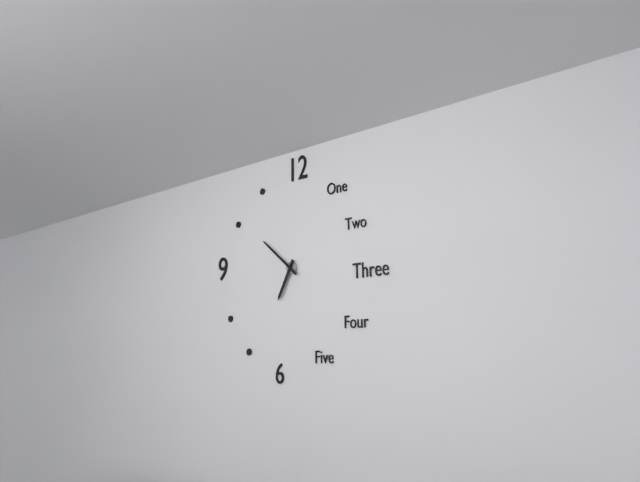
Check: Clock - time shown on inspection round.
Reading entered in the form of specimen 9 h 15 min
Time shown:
6 h 52 min
